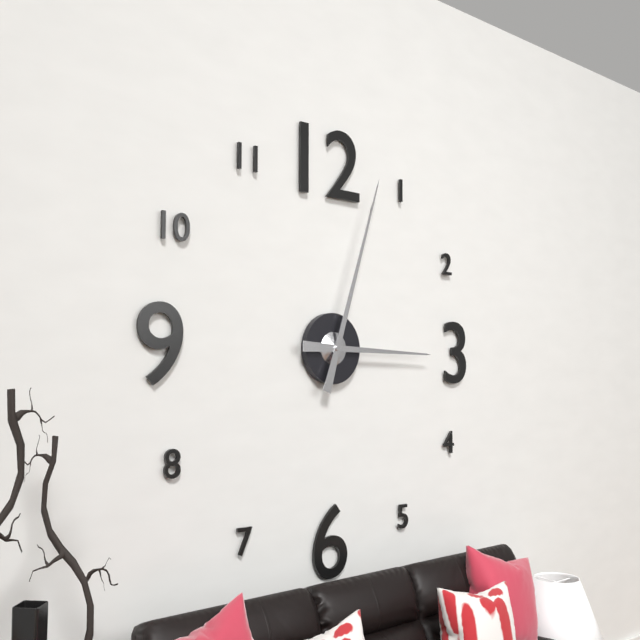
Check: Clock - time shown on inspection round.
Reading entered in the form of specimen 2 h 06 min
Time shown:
3 h 03 min
